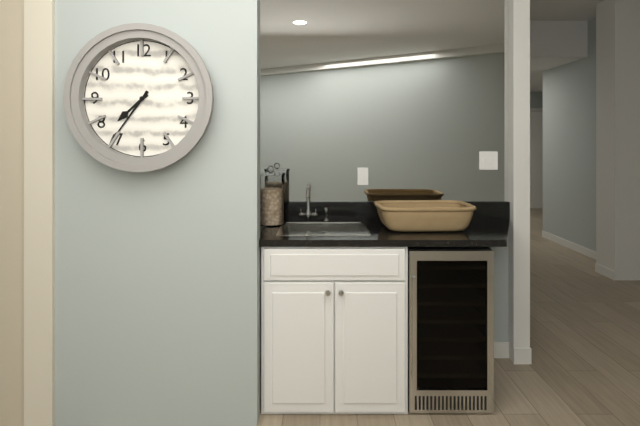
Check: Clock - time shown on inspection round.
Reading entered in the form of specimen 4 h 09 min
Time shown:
7 h 36 min
